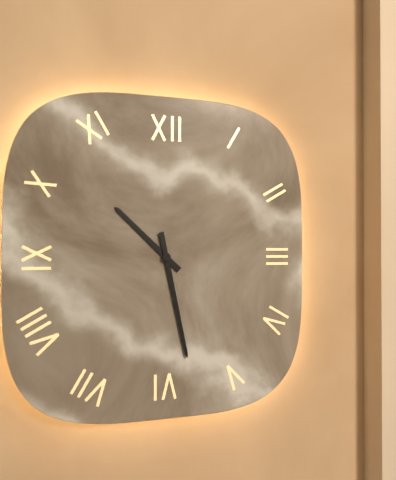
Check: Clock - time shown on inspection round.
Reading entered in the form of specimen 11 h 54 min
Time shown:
10 h 28 min
